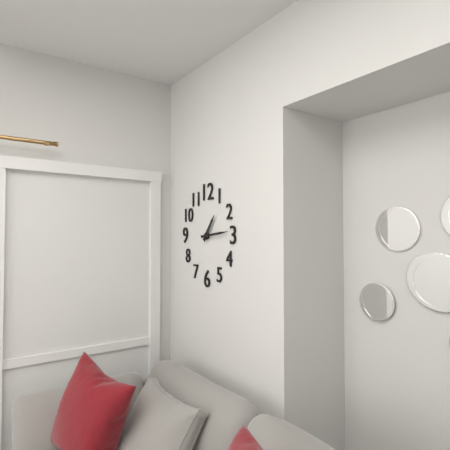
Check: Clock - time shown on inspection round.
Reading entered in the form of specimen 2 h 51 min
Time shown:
1 h 14 min
